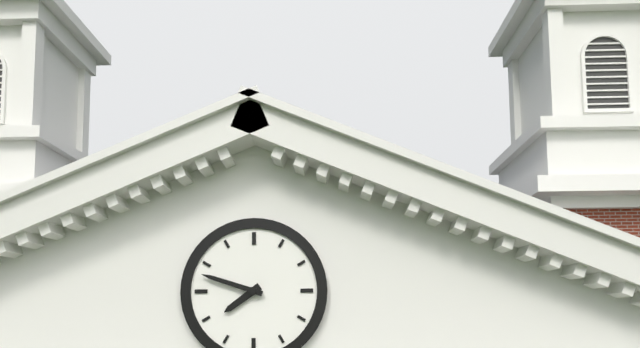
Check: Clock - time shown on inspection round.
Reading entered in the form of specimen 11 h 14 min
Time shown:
7 h 48 min
